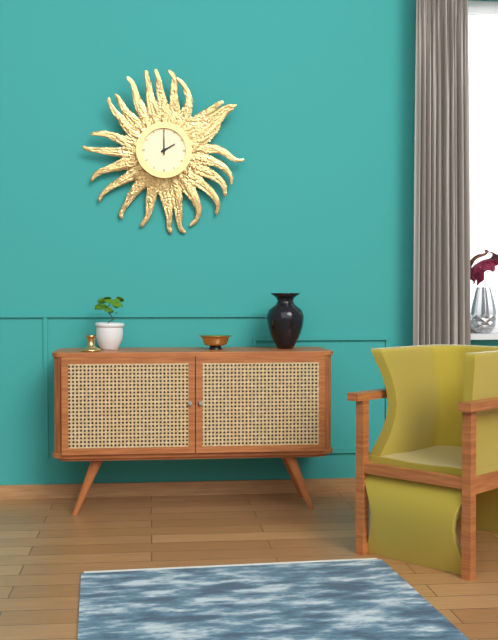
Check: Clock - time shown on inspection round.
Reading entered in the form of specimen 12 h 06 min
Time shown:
2 h 00 min
